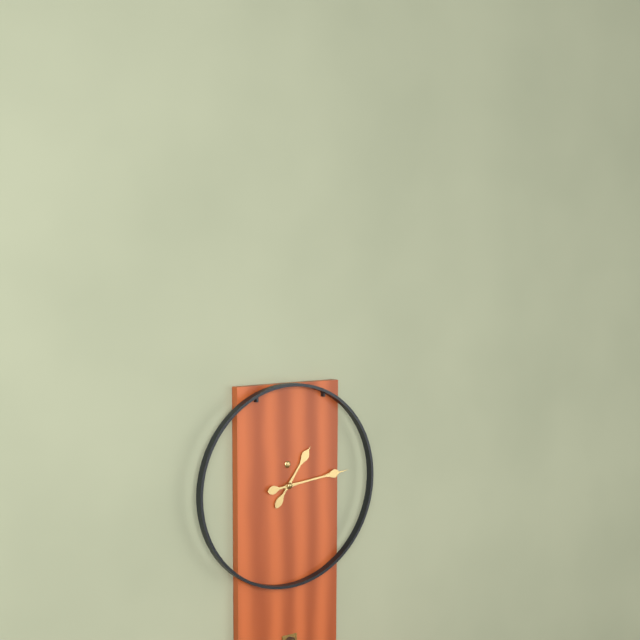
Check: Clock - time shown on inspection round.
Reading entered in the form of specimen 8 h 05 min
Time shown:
1 h 14 min
